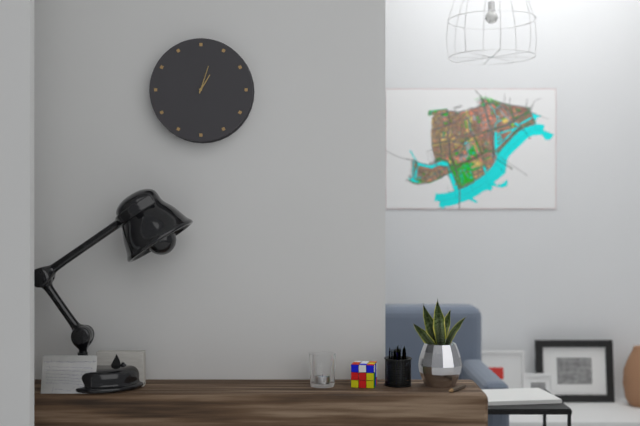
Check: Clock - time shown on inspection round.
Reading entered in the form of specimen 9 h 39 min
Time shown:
1 h 03 min
